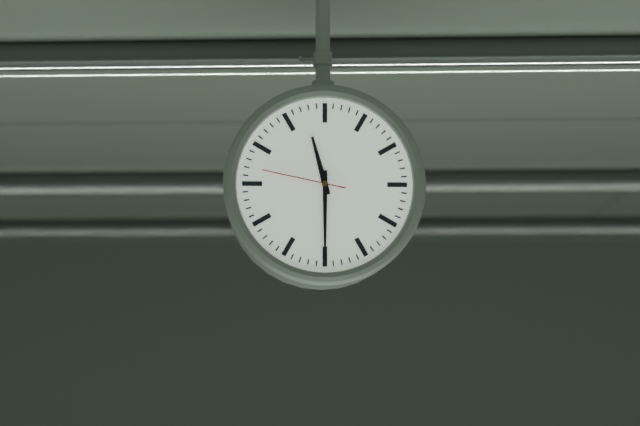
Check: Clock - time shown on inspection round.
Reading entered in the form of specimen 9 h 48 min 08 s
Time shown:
11 h 30 min 47 s
